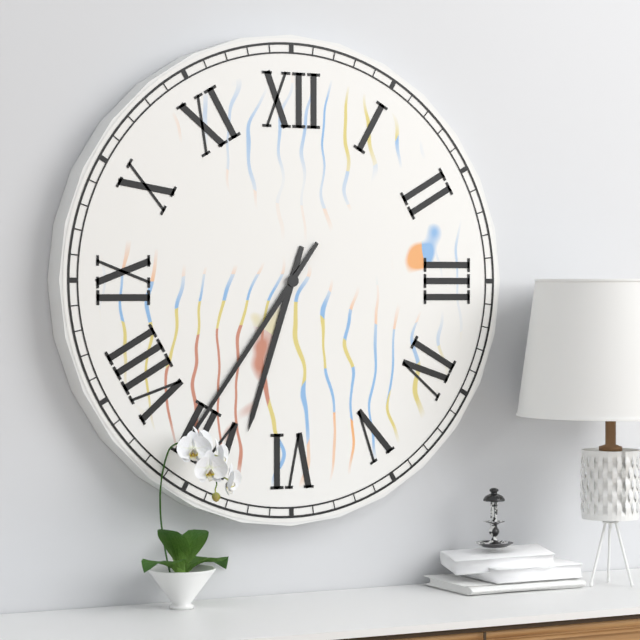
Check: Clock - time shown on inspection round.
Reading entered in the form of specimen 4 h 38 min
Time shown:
6 h 36 min
